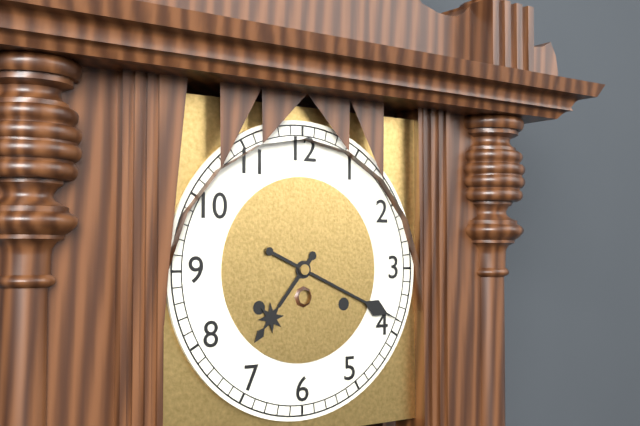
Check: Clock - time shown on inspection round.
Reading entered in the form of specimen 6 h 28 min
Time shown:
7 h 19 min
